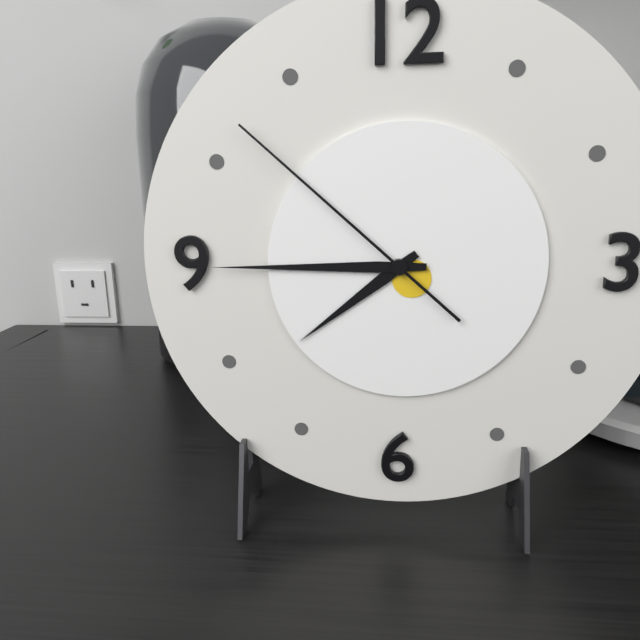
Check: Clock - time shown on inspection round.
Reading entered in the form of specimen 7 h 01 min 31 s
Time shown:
7 h 45 min 52 s
